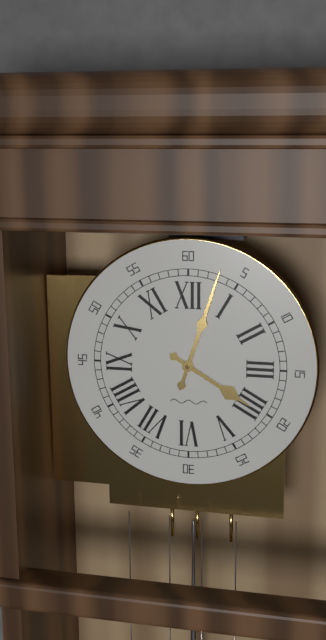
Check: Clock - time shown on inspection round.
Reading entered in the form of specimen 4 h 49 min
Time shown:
4 h 03 min
